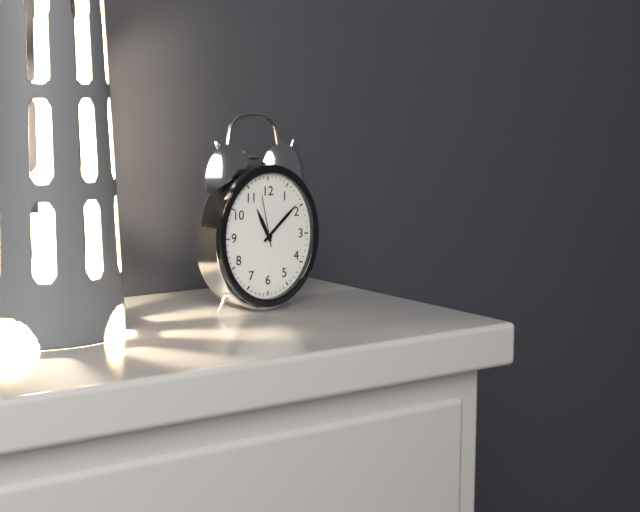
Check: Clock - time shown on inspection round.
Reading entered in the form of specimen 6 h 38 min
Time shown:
11 h 08 min
